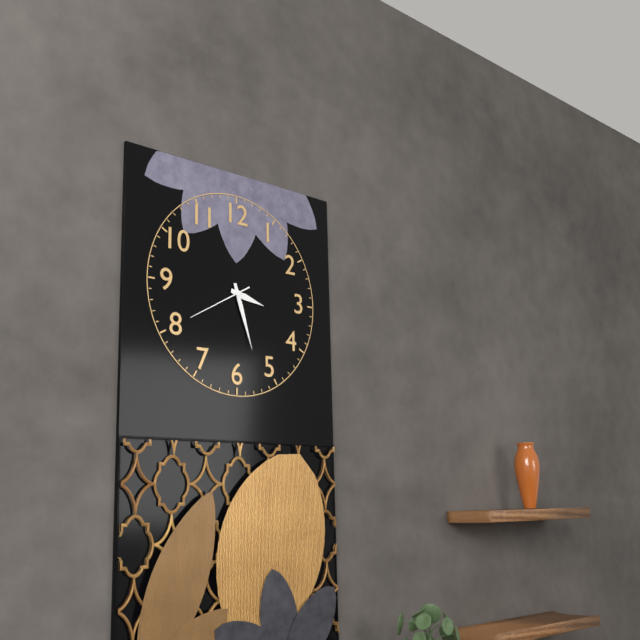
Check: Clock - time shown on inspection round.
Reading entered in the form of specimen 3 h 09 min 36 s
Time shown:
3 h 27 min 40 s
